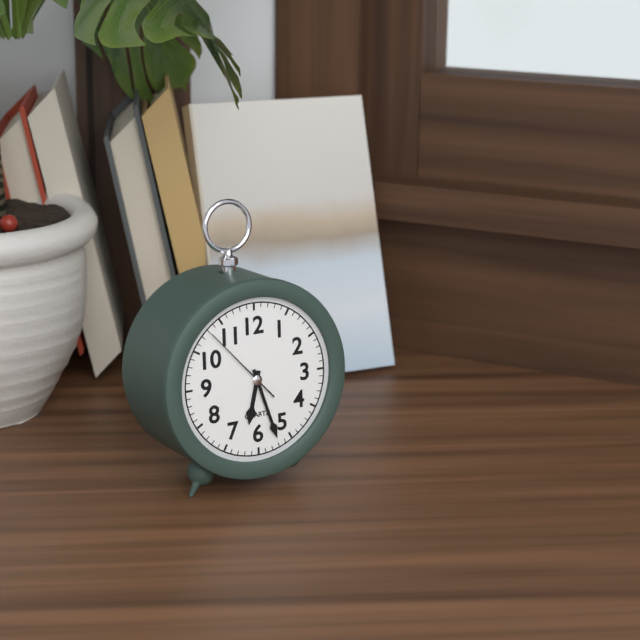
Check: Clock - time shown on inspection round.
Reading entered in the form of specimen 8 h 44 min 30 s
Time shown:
6 h 27 min 53 s
